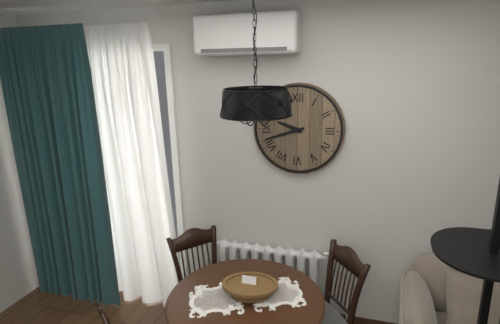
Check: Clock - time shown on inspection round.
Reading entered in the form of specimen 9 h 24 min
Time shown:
9 h 42 min
